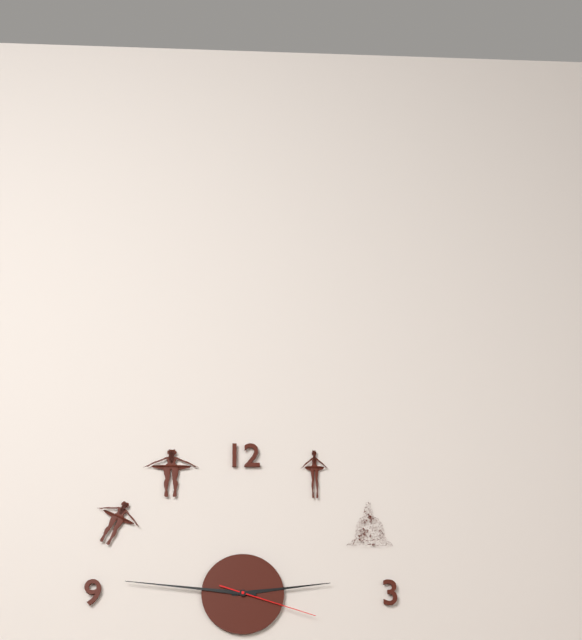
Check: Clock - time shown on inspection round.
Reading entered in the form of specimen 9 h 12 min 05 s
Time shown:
2 h 46 min 18 s
